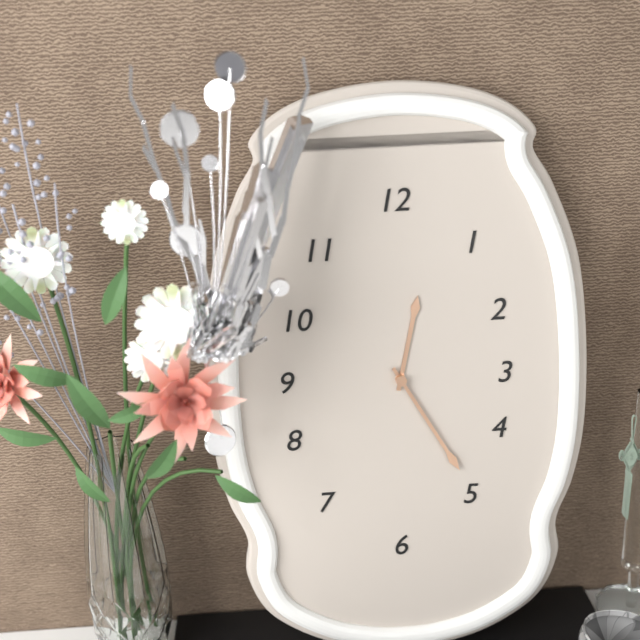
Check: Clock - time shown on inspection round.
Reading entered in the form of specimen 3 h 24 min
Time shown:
12 h 25 min
